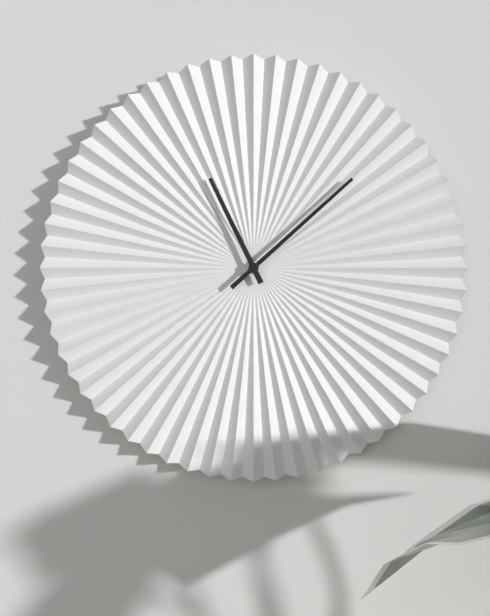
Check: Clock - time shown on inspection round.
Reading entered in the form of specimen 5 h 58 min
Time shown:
11 h 08 min
